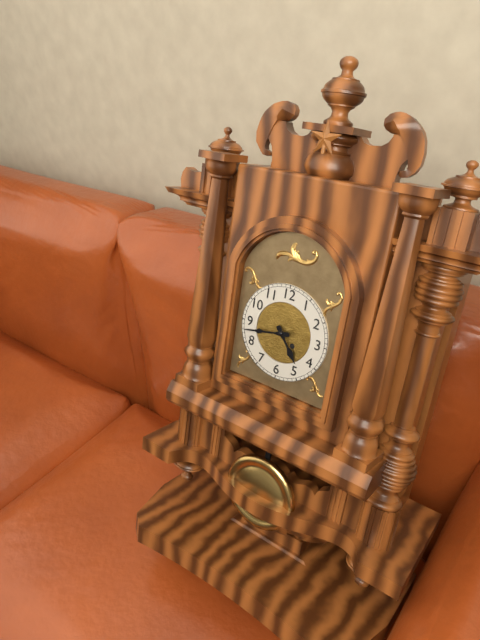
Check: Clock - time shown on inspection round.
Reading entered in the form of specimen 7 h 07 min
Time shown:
4 h 43 min
